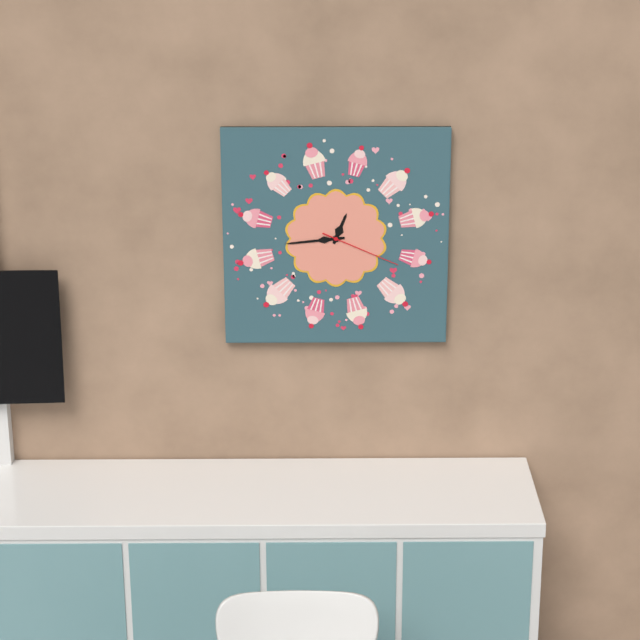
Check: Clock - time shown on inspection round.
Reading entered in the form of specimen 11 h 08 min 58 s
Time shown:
12 h 44 min 19 s
